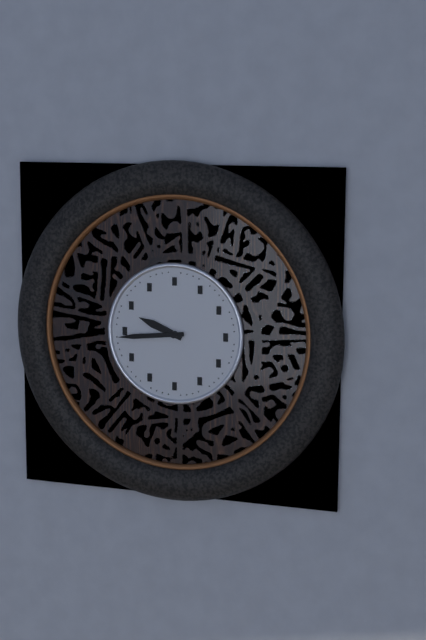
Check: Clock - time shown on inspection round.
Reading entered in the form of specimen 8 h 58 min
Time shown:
9 h 44 min
